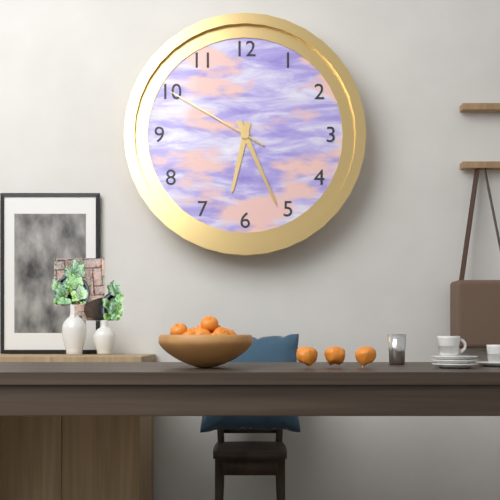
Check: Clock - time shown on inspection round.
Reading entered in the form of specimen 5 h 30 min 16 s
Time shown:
6 h 26 min 50 s
